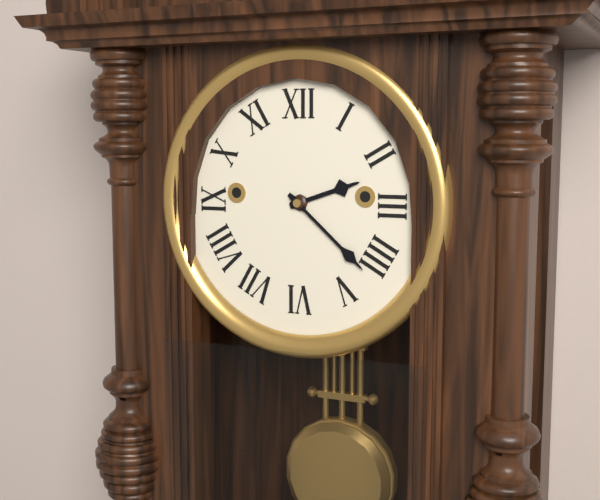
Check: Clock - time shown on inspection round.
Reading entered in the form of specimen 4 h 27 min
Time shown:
2 h 22 min
